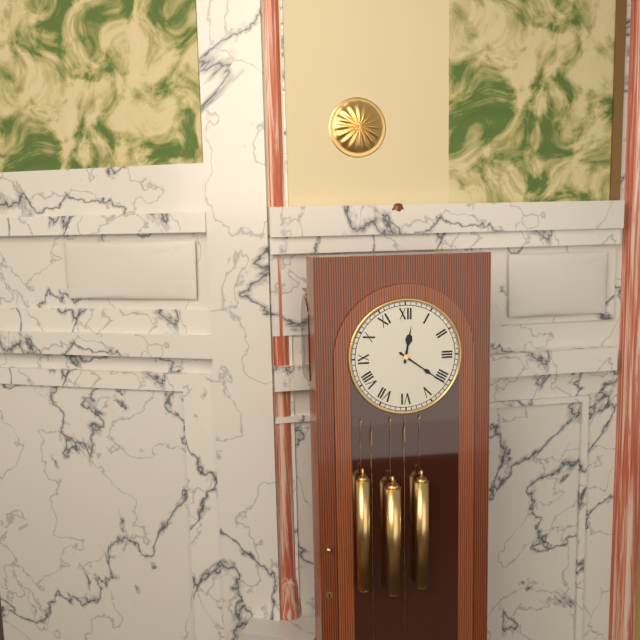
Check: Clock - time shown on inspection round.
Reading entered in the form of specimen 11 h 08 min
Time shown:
12 h 21 min
